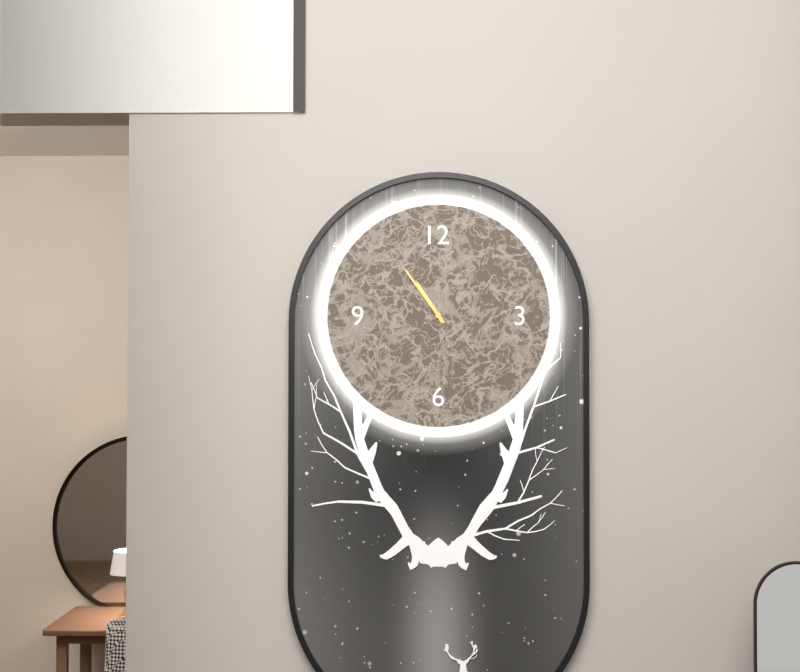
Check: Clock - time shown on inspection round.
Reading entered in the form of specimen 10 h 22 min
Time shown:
10 h 54 min
